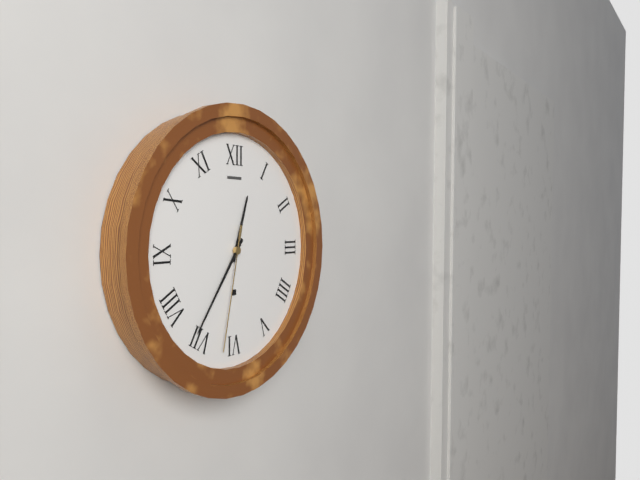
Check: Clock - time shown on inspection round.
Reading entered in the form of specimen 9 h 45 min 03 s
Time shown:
12 h 36 min 32 s
